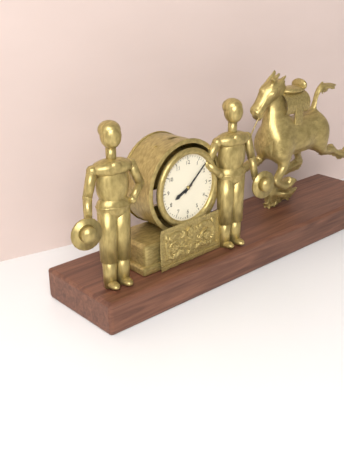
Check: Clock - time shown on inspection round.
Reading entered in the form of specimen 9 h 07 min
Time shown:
8 h 08 min
